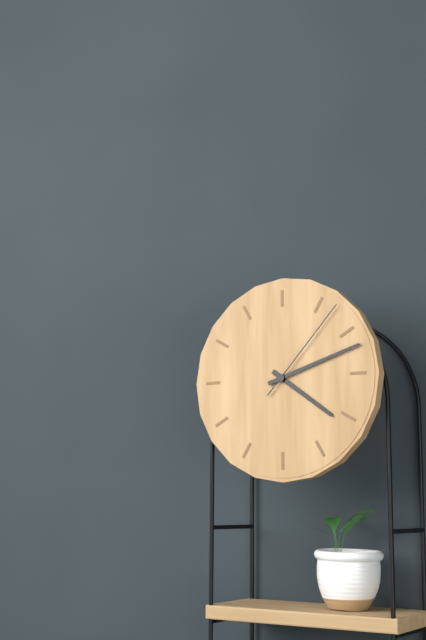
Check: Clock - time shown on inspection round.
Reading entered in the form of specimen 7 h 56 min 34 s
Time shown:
4 h 12 min 07 s
